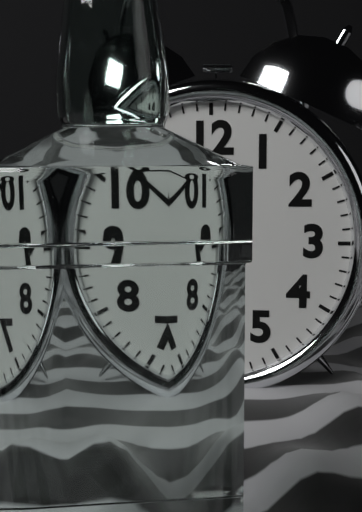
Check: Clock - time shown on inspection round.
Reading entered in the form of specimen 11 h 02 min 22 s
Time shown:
10 h 52 min 30 s
